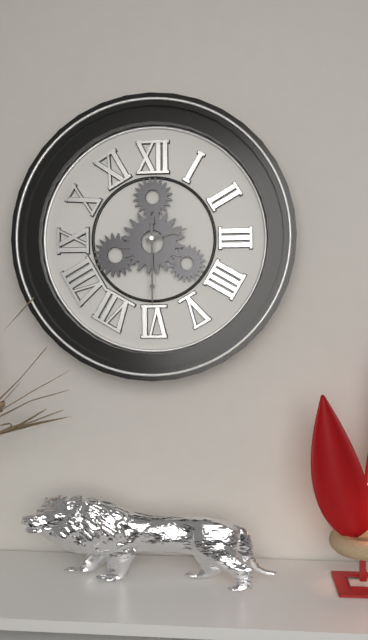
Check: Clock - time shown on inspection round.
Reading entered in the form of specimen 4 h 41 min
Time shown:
2 h 30 min
